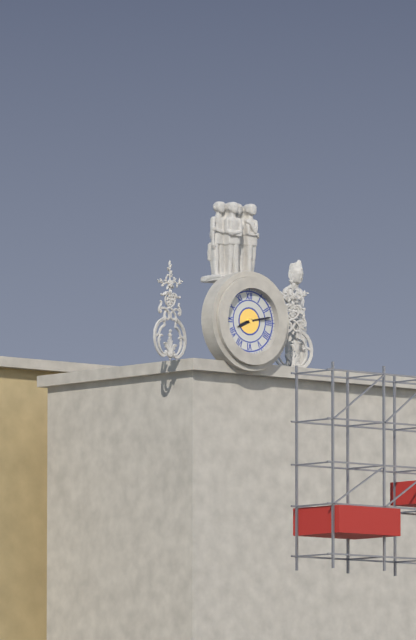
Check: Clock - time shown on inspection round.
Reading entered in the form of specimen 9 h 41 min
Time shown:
8 h 13 min
